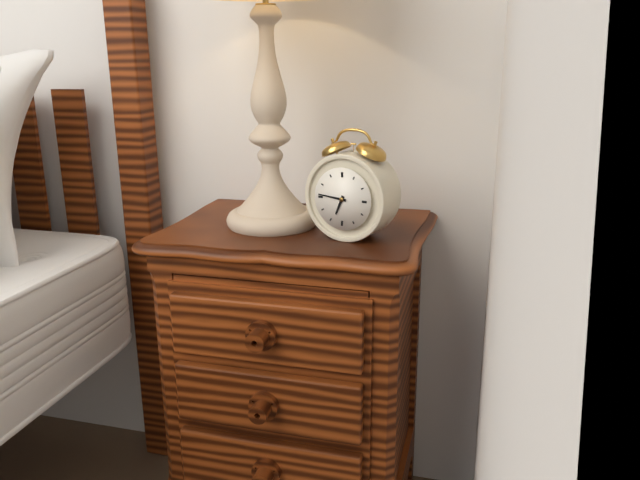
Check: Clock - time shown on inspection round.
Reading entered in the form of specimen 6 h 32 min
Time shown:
6 h 46 min
